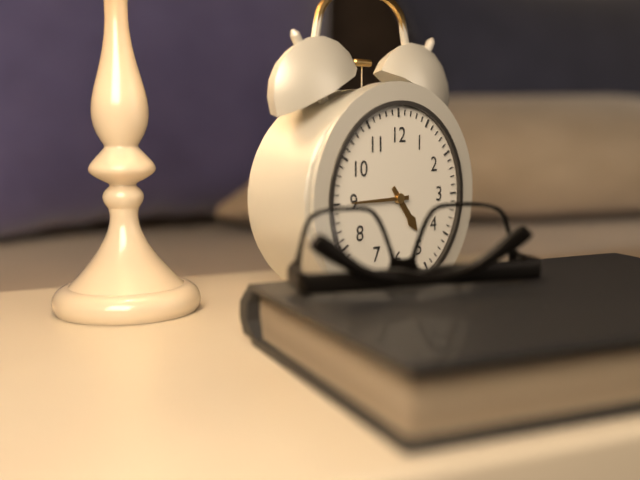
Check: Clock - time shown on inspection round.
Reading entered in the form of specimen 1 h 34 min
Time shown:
4 h 45 min
